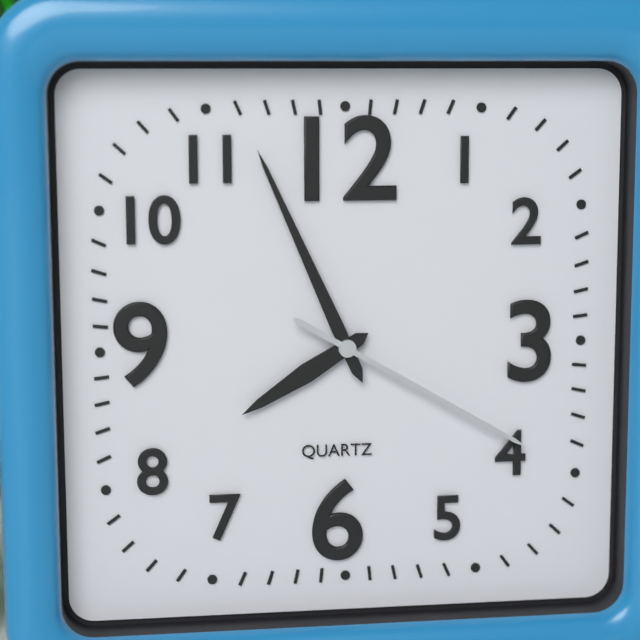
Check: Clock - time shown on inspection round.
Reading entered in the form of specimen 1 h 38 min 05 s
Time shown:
7 h 56 min 20 s
